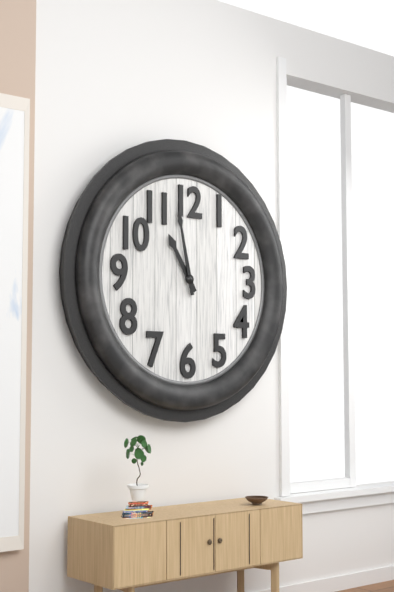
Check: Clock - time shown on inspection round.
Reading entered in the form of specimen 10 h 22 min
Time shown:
10 h 58 min
